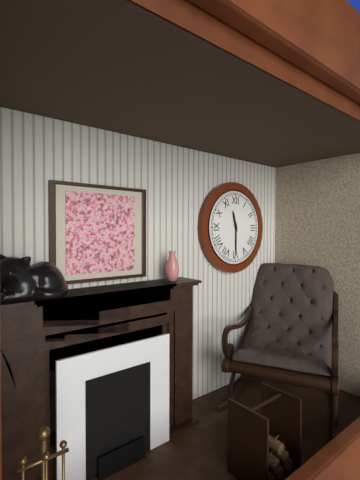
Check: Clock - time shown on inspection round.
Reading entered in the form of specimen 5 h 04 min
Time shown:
11 h 30 min
